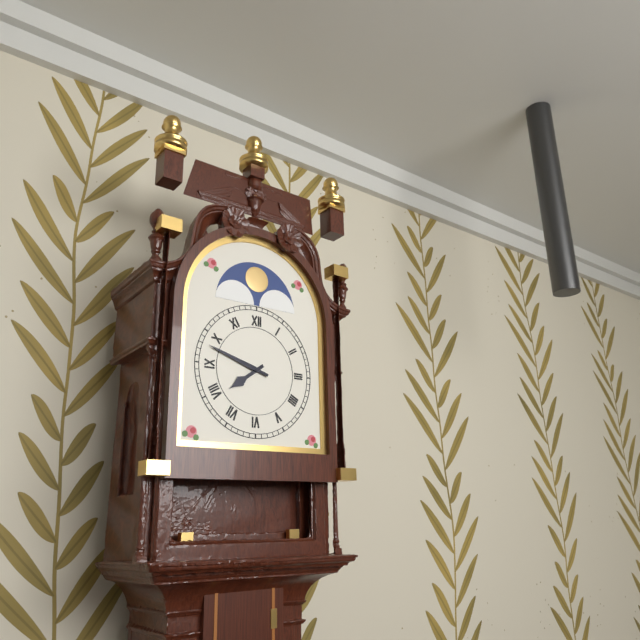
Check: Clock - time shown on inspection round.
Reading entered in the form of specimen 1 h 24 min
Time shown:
7 h 48 min
